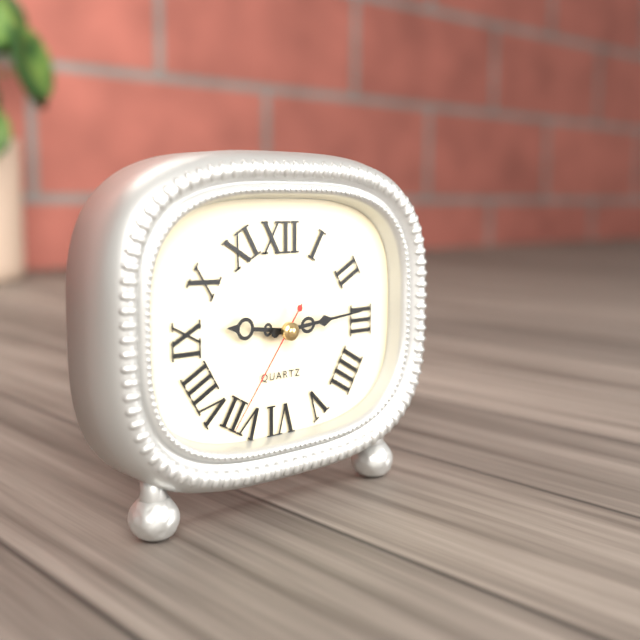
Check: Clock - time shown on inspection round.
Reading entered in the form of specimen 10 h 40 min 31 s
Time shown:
9 h 14 min 36 s
